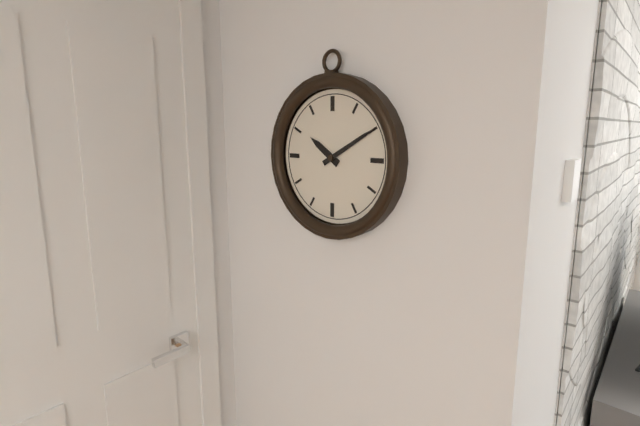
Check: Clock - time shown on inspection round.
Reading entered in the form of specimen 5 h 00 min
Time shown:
10 h 10 min
